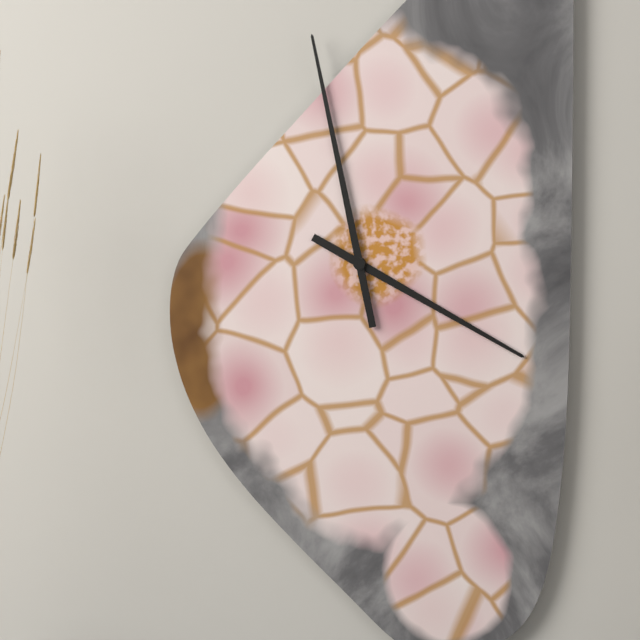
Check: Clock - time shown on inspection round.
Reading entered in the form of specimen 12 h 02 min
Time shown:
3 h 58 min
